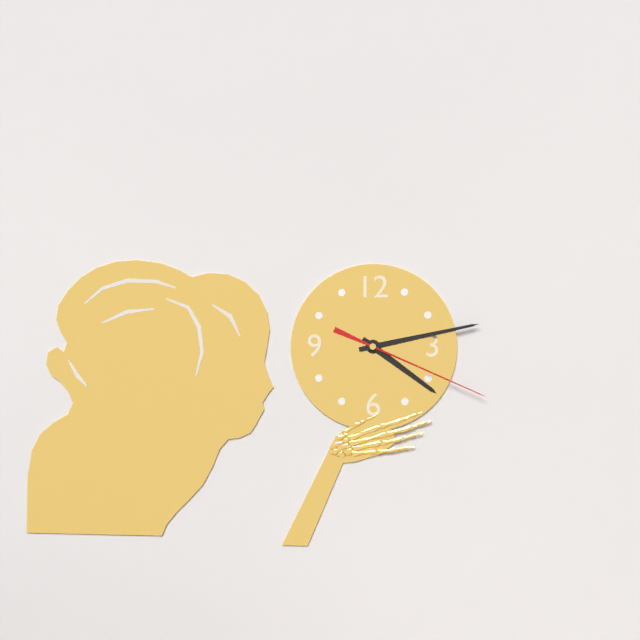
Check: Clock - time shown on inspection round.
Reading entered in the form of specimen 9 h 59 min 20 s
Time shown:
4 h 13 min 19 s
